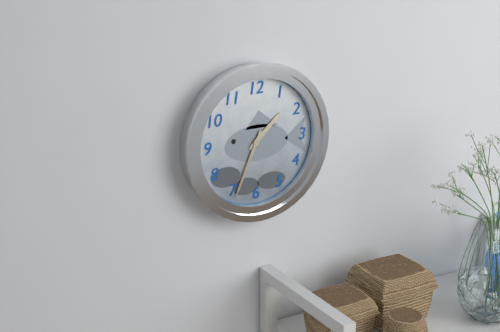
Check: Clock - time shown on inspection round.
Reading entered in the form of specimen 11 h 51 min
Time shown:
1 h 34 min
